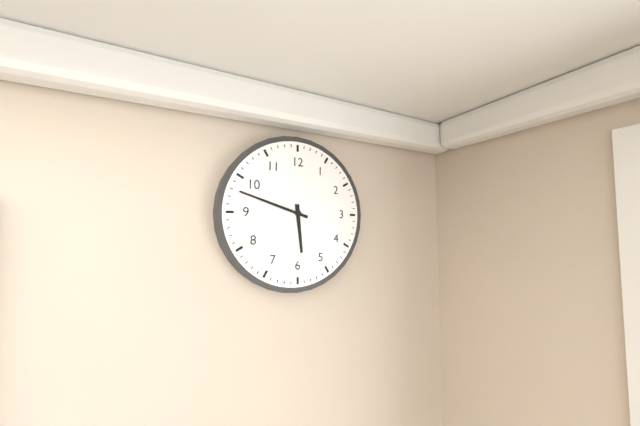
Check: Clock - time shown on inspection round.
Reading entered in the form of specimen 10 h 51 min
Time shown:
5 h 48 min
